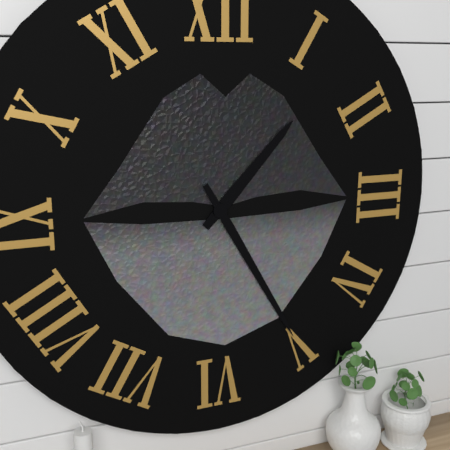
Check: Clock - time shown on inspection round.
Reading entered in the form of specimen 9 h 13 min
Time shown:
1 h 25 min
